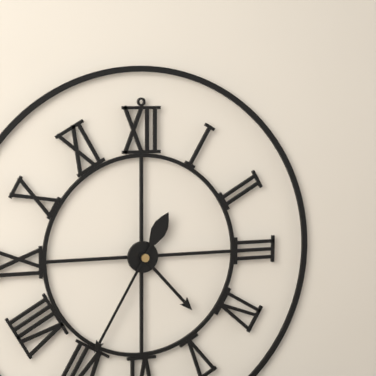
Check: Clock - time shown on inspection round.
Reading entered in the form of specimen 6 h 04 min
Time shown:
4 h 35 min
